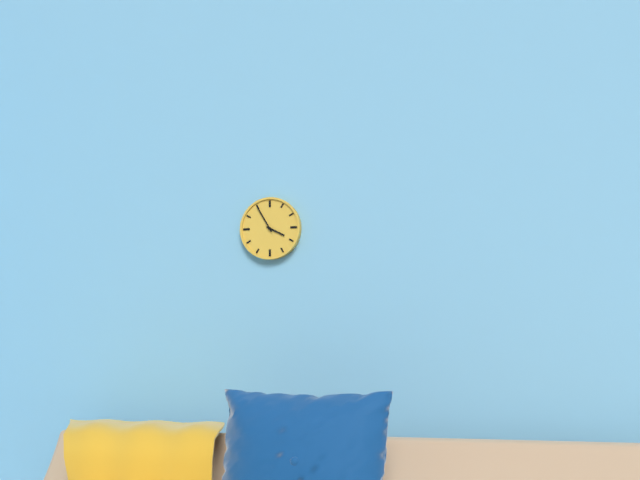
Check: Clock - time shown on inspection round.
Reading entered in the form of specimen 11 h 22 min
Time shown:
3 h 55 min
